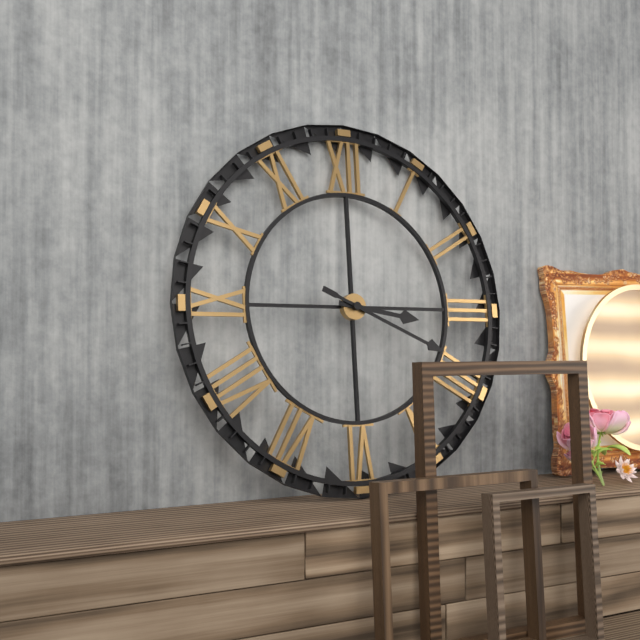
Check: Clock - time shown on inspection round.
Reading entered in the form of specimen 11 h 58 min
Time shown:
3 h 19 min
